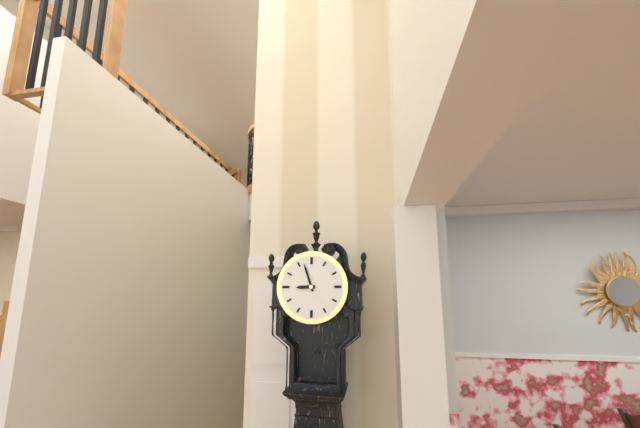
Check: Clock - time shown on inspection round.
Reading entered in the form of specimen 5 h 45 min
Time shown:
8 h 57 min
